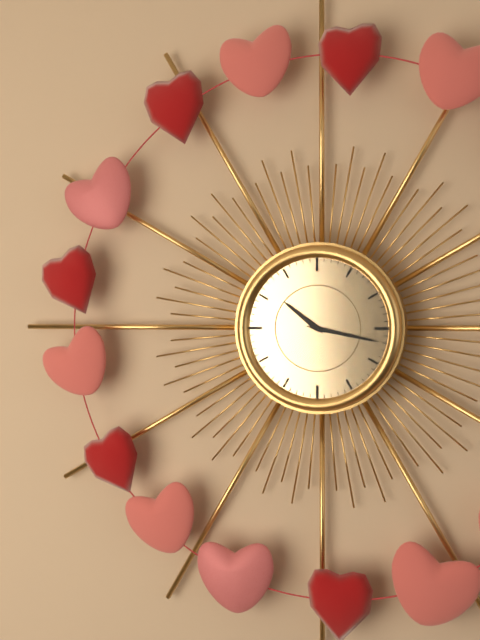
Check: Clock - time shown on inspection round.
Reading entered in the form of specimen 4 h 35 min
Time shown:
10 h 17 min
